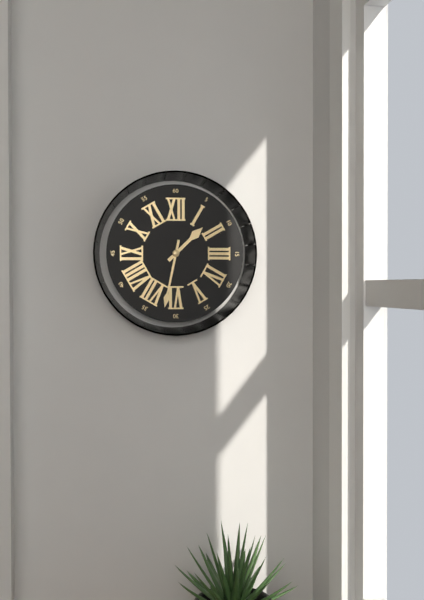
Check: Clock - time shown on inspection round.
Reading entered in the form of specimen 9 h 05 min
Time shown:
1 h 32 min
